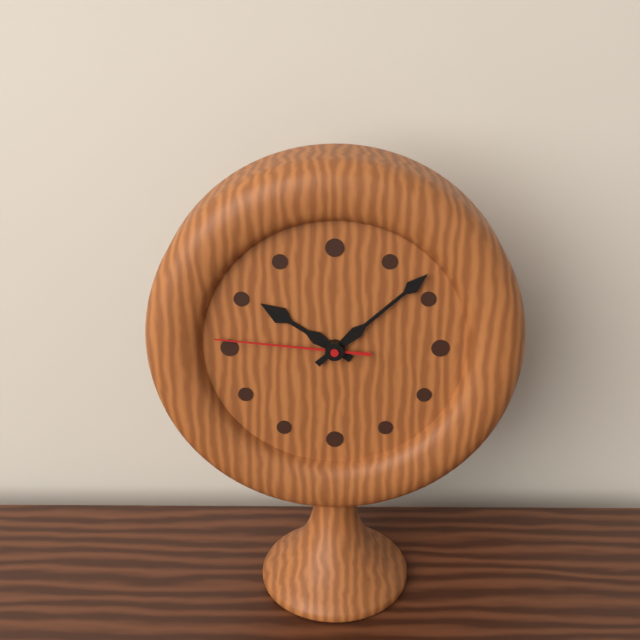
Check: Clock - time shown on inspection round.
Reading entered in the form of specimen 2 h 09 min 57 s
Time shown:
10 h 08 min 46 s
